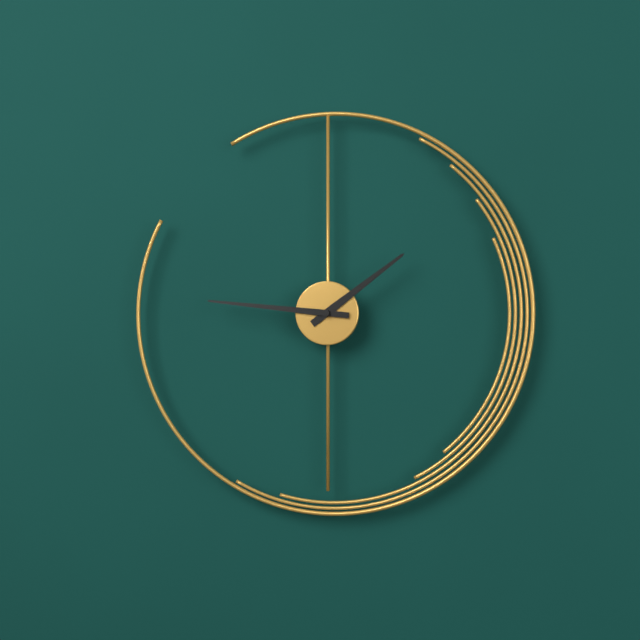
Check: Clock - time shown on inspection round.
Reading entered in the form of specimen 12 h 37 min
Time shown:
1 h 46 min
